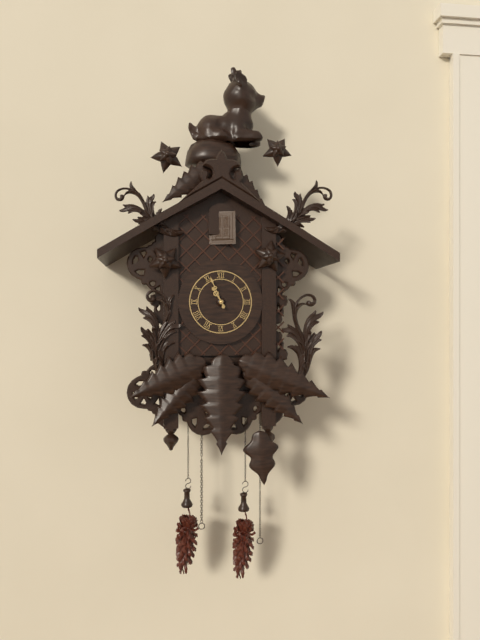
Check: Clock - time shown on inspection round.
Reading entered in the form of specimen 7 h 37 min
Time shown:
10 h 56 min
